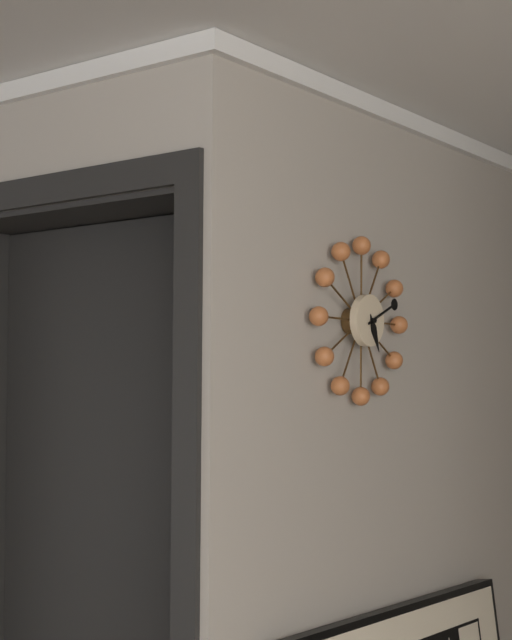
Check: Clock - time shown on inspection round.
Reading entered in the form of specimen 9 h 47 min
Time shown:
5 h 11 min
